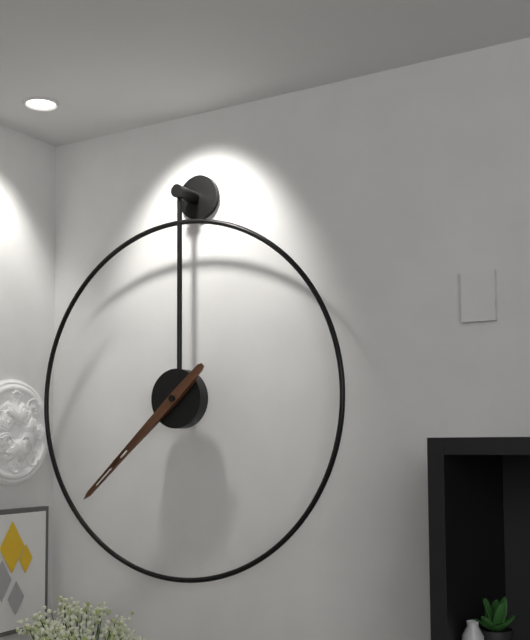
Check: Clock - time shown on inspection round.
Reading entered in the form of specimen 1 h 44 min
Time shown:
7 h 38 min
